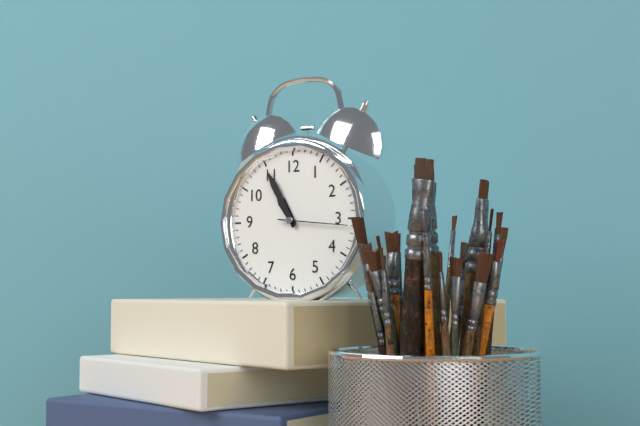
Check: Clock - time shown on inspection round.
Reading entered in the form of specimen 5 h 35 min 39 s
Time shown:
10 h 55 min 16 s
